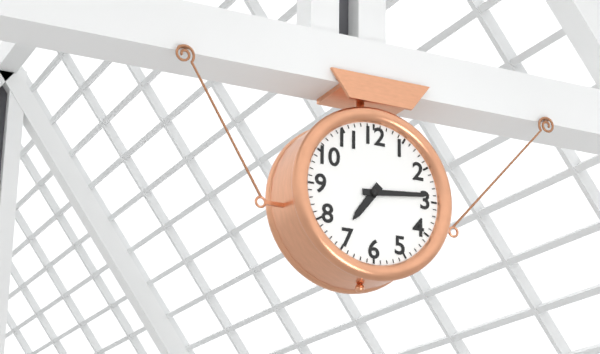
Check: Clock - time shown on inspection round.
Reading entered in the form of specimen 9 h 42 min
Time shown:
7 h 14 min
